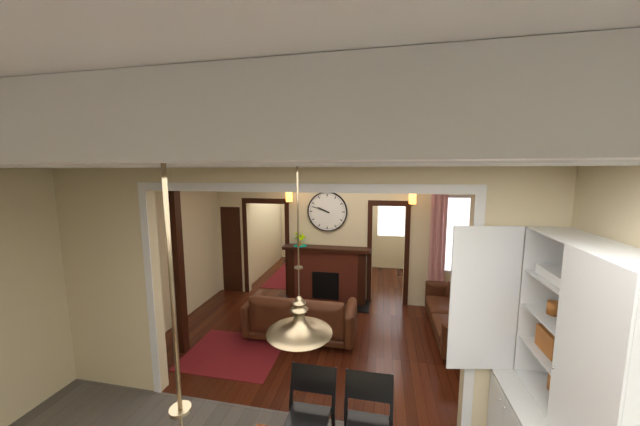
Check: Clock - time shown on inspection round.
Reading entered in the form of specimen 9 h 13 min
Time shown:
9 h 48 min
